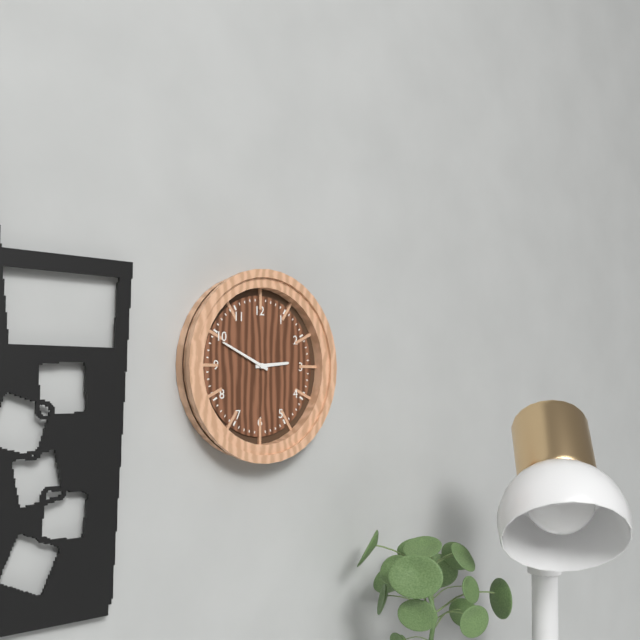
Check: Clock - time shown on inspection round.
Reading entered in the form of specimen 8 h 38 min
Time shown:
2 h 49 min
